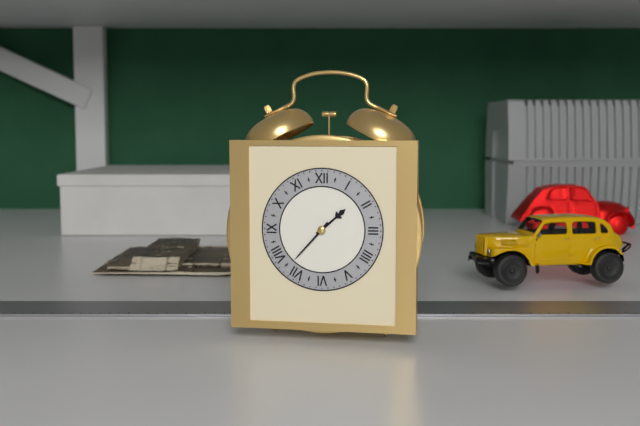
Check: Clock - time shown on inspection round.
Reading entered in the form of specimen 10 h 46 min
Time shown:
1 h 37 min
